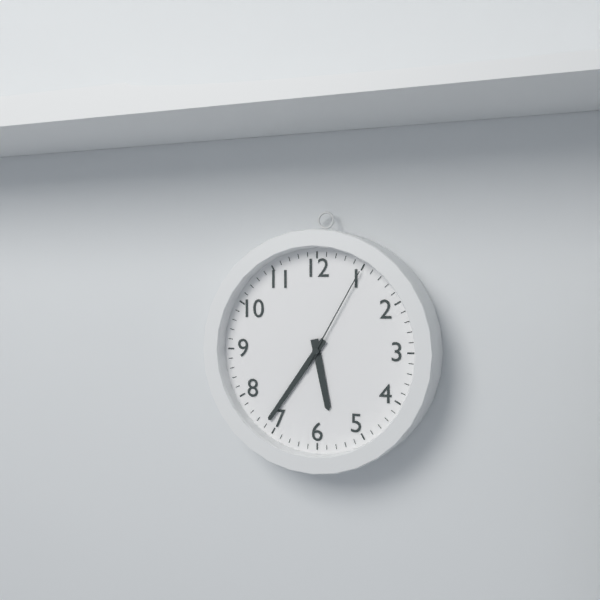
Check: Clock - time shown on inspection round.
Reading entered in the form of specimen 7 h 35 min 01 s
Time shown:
5 h 36 min 05 s
